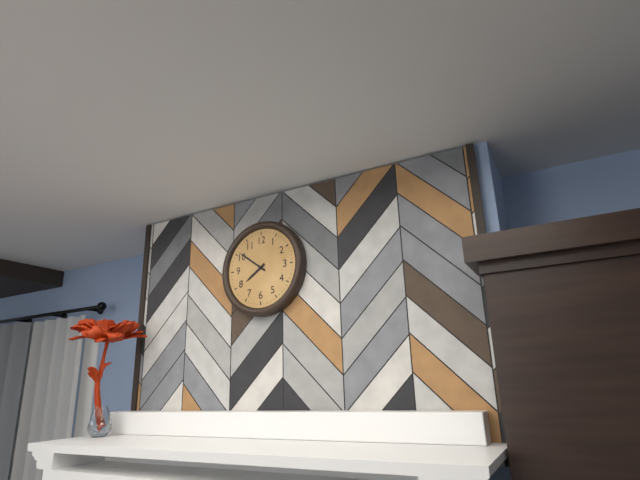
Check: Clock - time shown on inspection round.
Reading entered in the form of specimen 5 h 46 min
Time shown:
7 h 51 min
